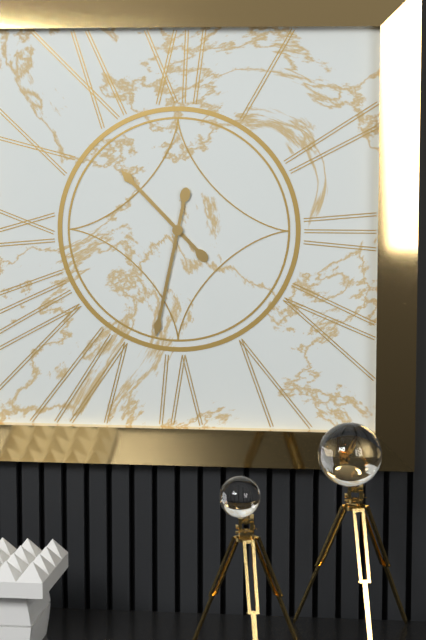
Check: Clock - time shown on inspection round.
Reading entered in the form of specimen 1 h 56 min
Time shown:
10 h 32 min
